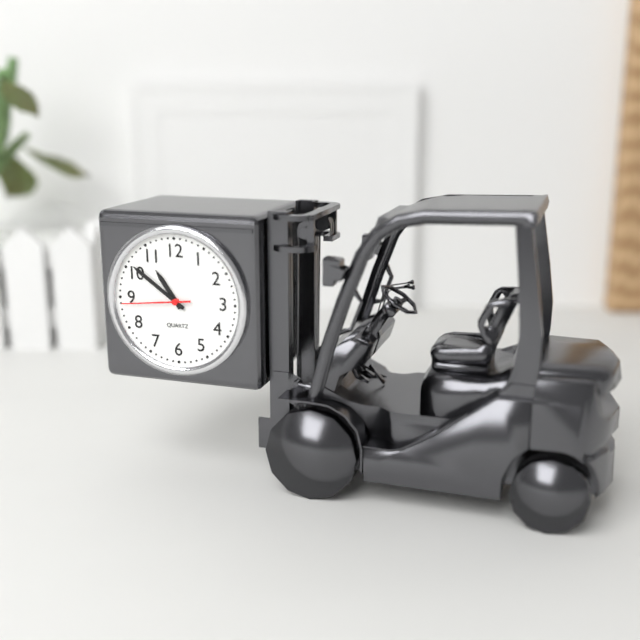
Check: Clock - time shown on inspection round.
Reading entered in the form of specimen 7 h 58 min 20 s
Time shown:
10 h 51 min 44 s
